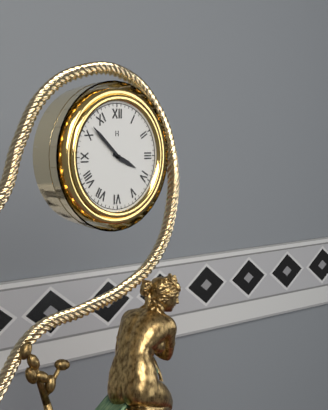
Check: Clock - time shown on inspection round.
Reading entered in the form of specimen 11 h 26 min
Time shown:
3 h 52 min
